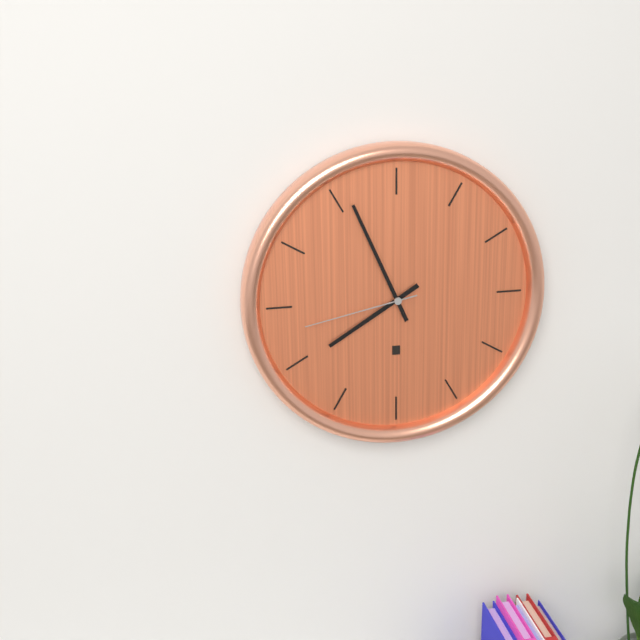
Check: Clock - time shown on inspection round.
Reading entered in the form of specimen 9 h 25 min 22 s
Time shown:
7 h 56 min 43 s
